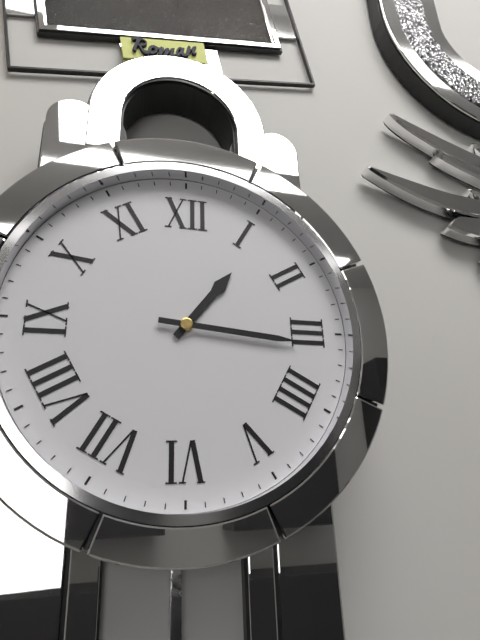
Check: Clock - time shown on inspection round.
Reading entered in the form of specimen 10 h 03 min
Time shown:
1 h 16 min
